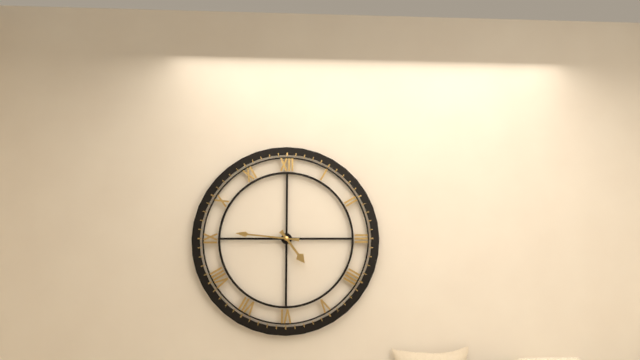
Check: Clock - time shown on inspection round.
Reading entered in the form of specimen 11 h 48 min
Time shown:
4 h 46 min
